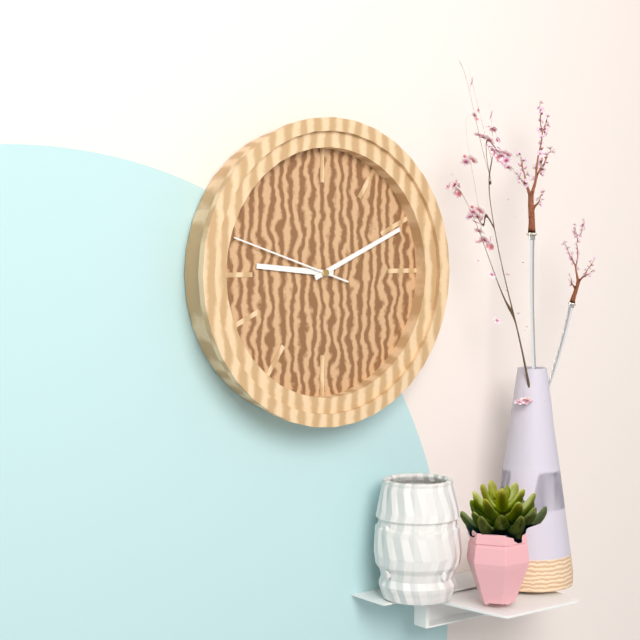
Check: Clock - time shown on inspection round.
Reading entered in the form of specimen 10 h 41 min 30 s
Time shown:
9 h 11 min 48 s
